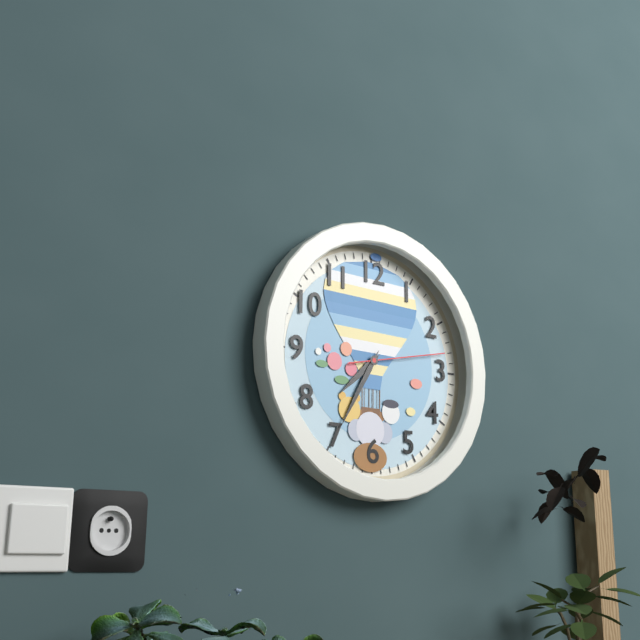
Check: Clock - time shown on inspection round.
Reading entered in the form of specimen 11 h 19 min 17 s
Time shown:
7 h 35 min 13 s
